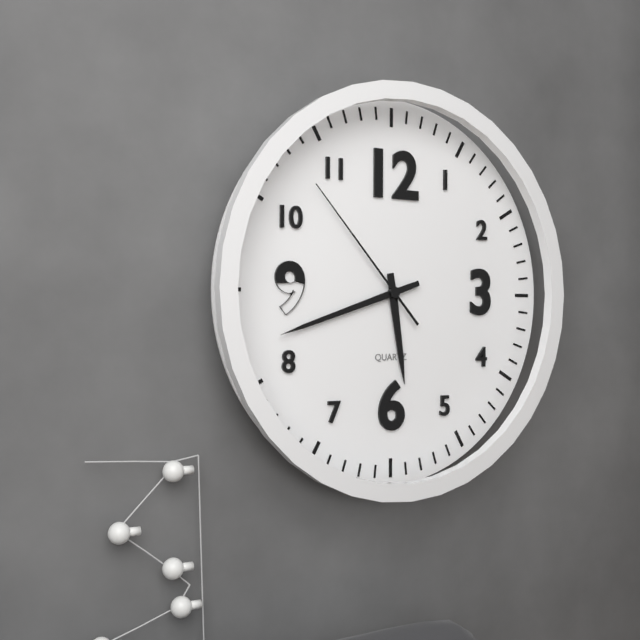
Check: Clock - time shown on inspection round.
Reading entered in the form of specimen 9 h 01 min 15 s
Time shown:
5 h 42 min 53 s
